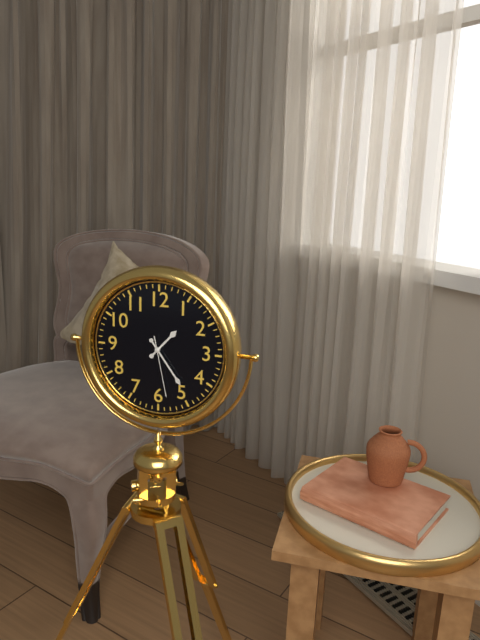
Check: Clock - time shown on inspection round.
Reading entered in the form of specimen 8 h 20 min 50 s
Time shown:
1 h 24 min 28 s
